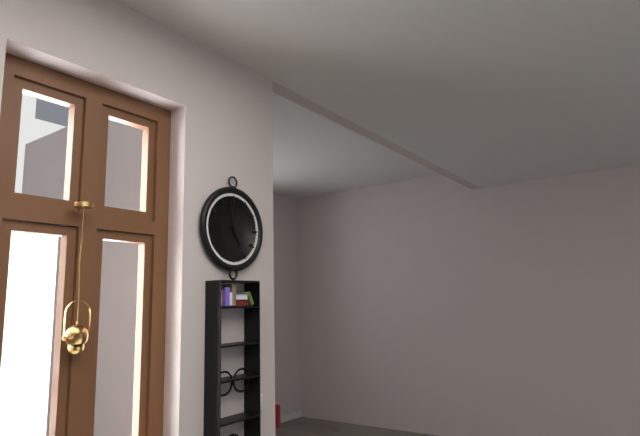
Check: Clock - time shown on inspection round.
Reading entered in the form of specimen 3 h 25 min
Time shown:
4 h 58 min
